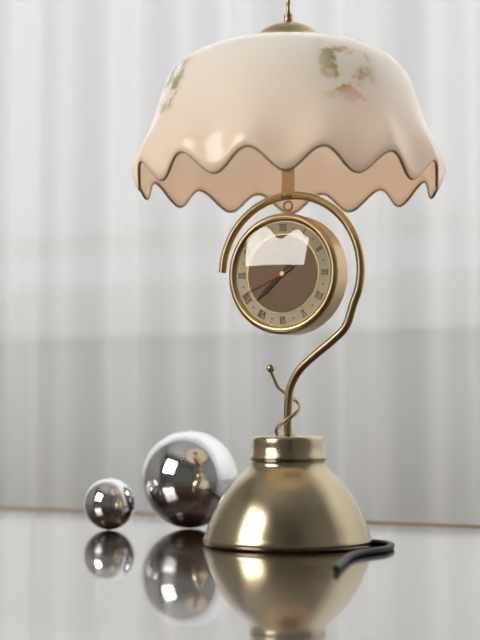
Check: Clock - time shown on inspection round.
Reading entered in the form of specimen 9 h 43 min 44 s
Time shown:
1 h 38 min 41 s
